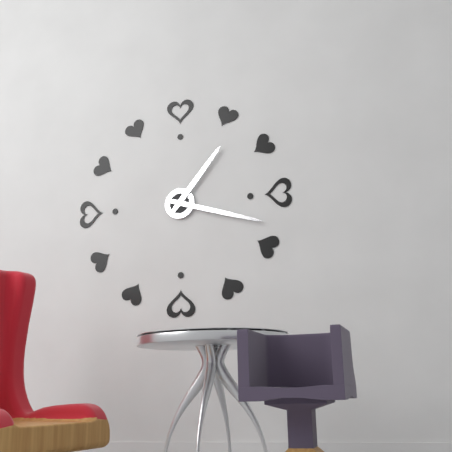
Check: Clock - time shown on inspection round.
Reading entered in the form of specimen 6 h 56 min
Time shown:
1 h 18 min
